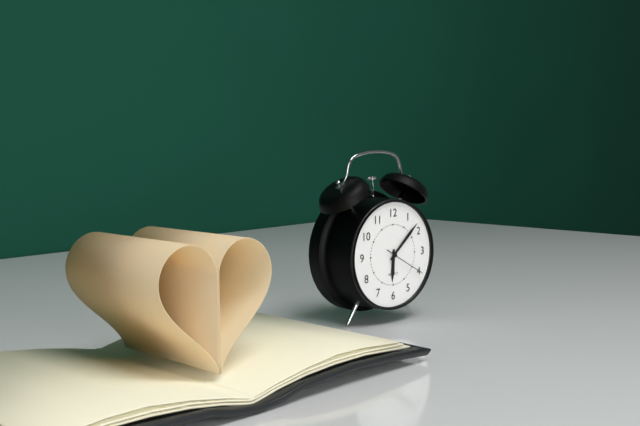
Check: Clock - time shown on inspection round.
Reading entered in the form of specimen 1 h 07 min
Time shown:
6 h 08 min
